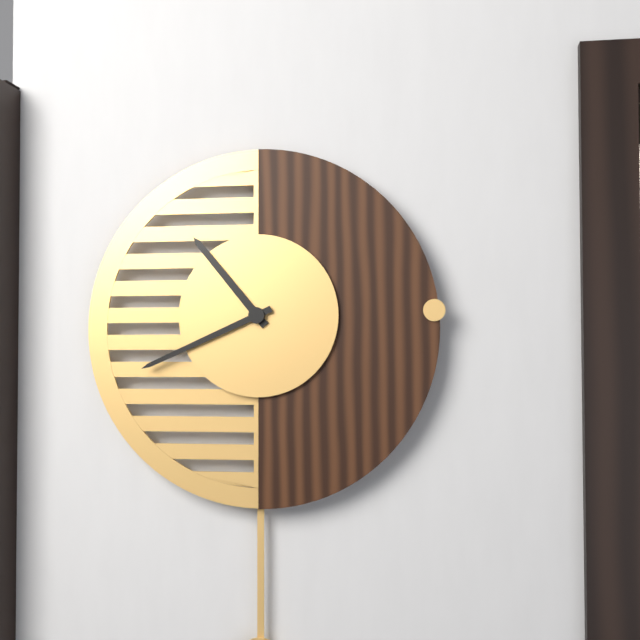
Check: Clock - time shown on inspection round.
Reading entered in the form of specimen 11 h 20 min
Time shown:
10 h 41 min
